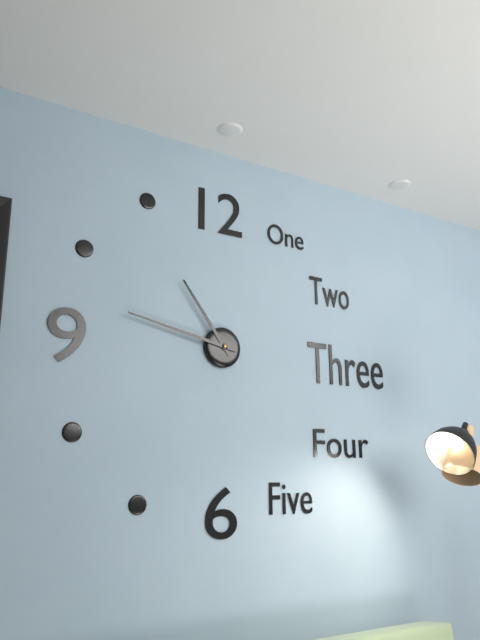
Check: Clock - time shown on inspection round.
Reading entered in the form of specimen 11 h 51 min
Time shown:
10 h 47 min
